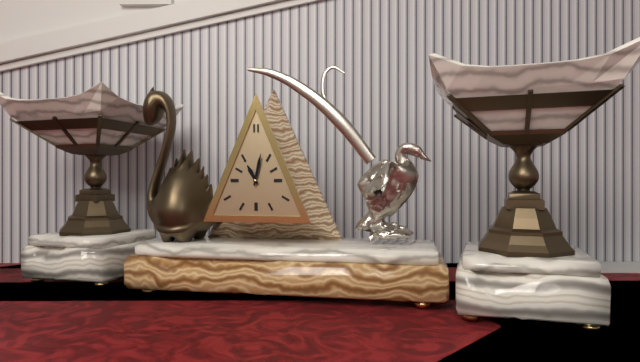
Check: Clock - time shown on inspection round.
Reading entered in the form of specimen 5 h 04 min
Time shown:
11 h 02 min
